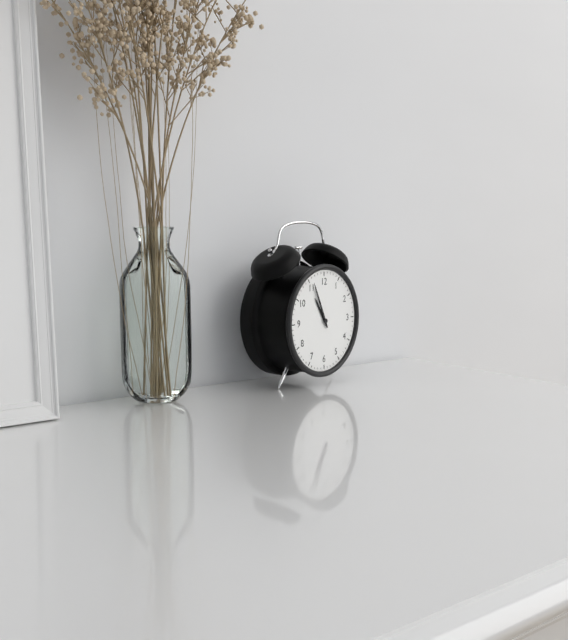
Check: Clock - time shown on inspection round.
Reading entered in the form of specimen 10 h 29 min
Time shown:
10 h 56 min
